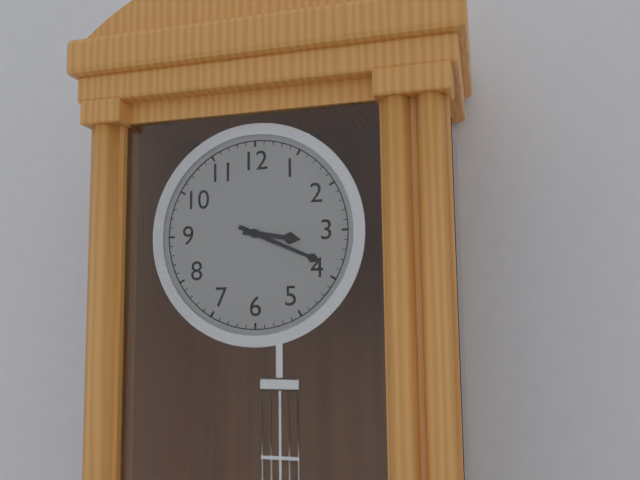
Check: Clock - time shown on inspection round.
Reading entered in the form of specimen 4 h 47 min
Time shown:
3 h 19 min
